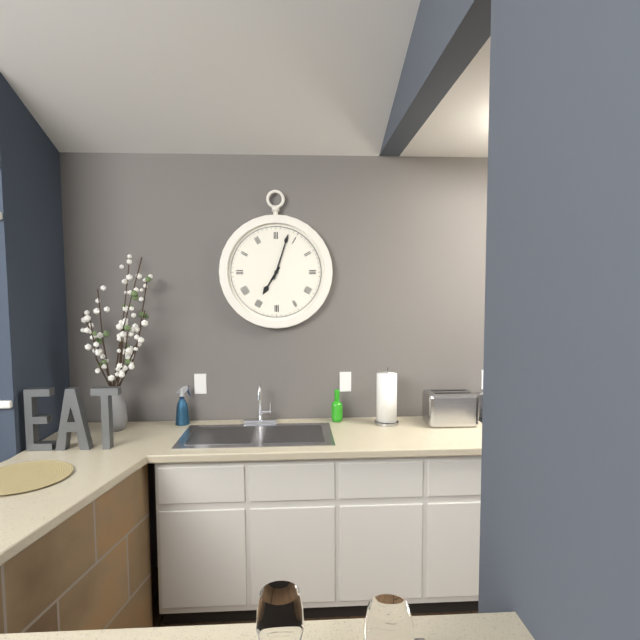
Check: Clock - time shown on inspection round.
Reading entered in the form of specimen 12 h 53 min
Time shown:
7 h 03 min
